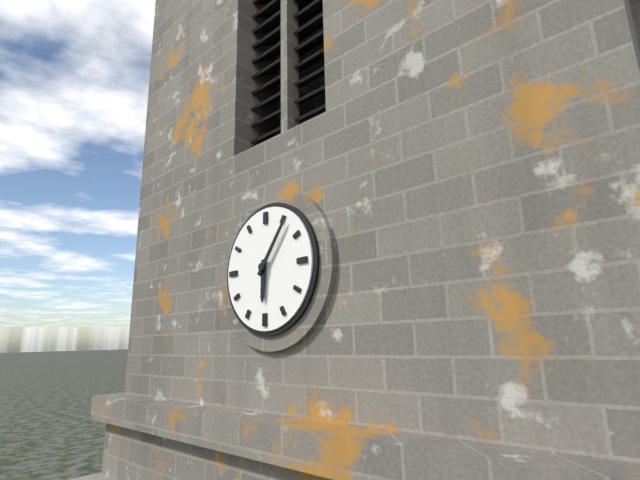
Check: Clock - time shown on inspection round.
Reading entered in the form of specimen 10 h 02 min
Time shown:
6 h 06 min
